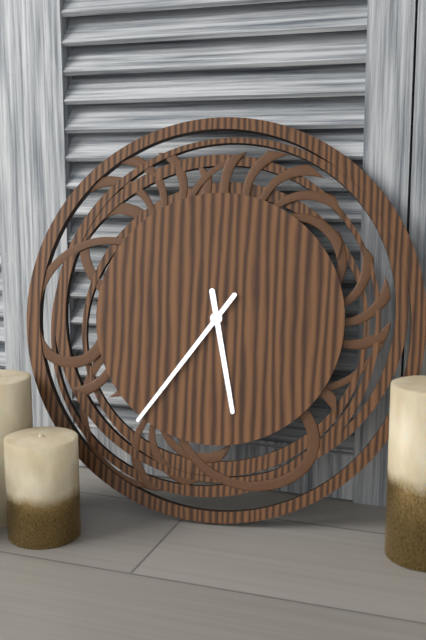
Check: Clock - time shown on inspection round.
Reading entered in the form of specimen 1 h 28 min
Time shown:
5 h 36 min
